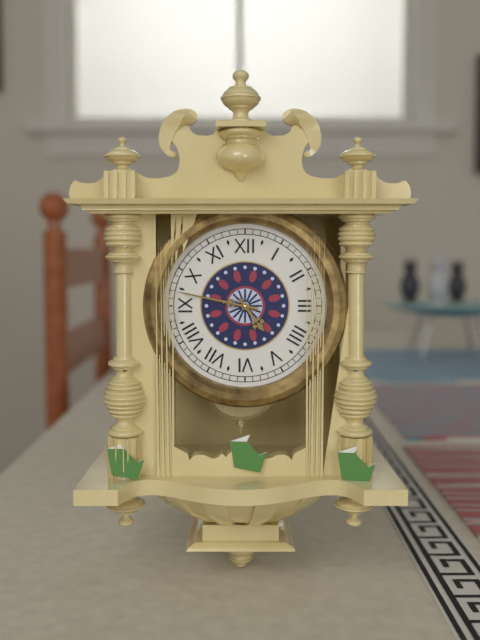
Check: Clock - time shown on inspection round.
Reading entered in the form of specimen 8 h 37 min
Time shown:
4 h 47 min
